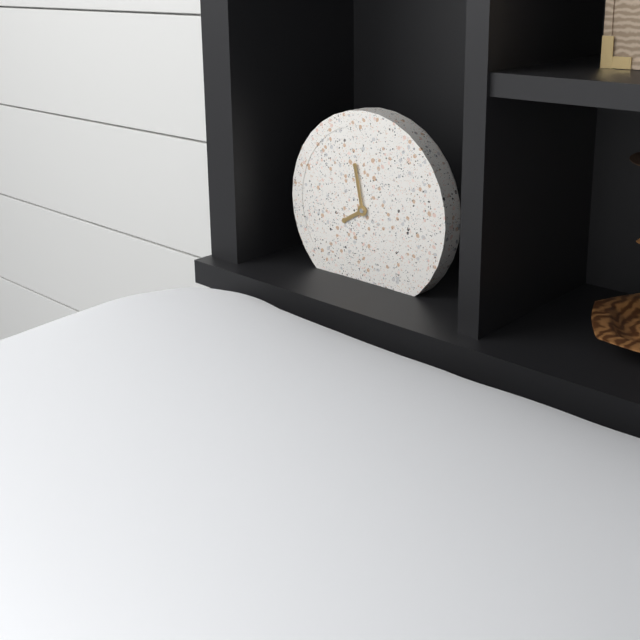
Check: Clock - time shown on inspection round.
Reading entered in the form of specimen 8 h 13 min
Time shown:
7 h 58 min
